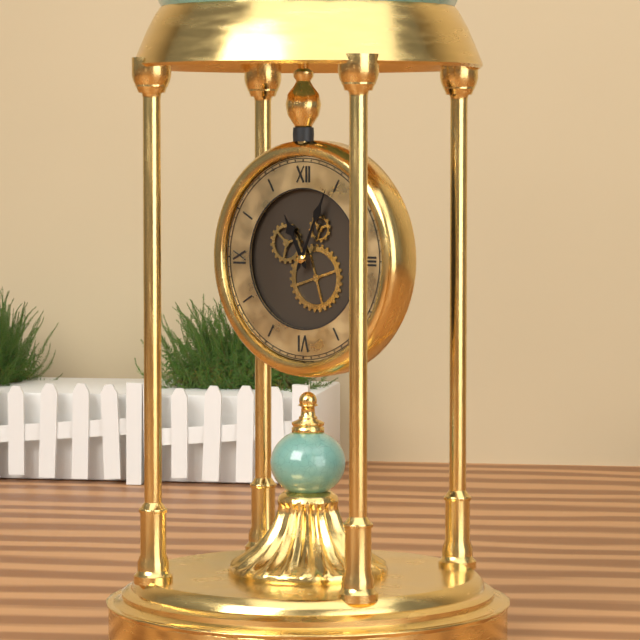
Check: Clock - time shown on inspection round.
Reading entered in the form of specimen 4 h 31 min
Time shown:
11 h 04 min
